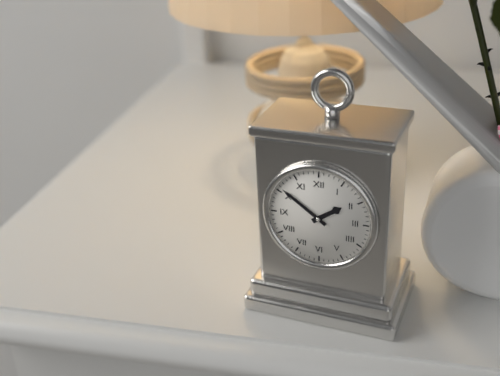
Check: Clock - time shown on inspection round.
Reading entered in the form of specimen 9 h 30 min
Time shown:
1 h 51 min
